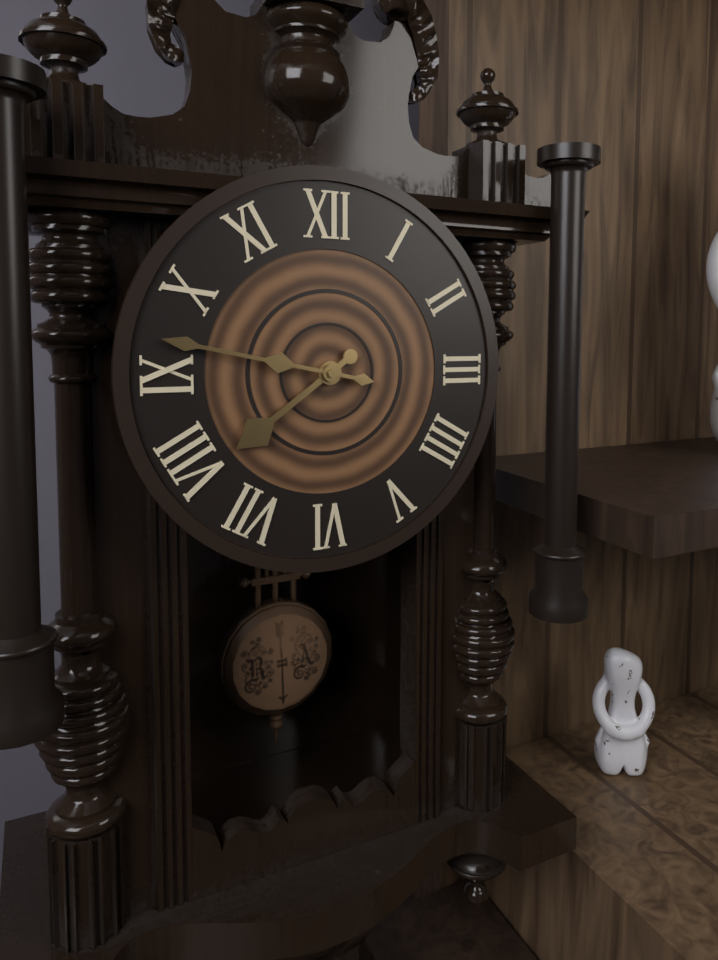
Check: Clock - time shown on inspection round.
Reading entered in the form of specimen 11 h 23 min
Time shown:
7 h 47 min
